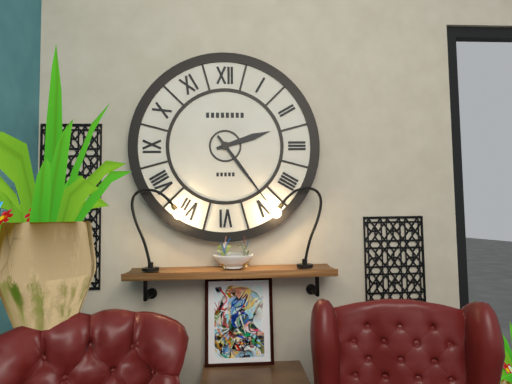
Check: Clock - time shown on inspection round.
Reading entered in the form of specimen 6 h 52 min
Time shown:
2 h 24 min
